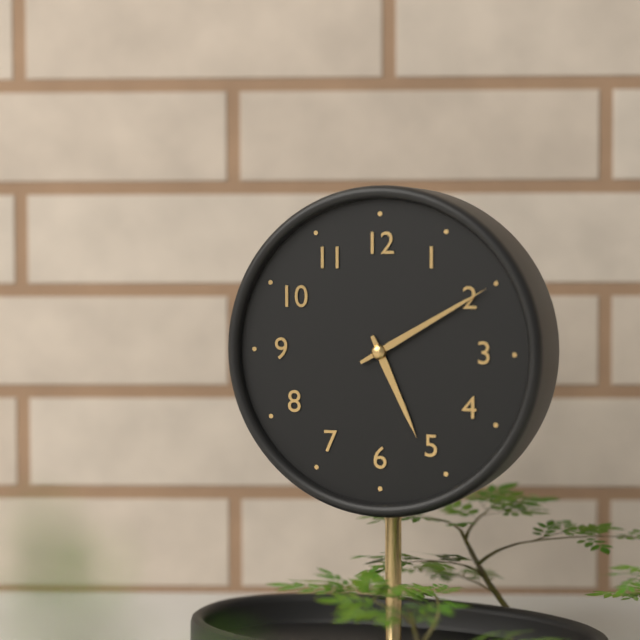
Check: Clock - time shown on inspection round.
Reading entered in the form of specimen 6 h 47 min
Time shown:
5 h 10 min
